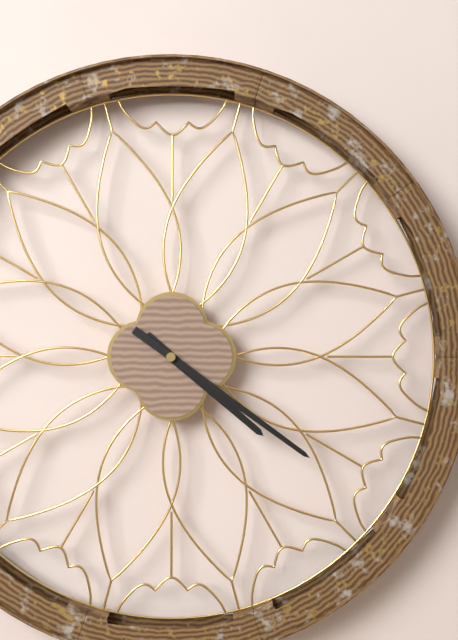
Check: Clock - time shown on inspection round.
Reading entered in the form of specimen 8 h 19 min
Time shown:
4 h 21 min
